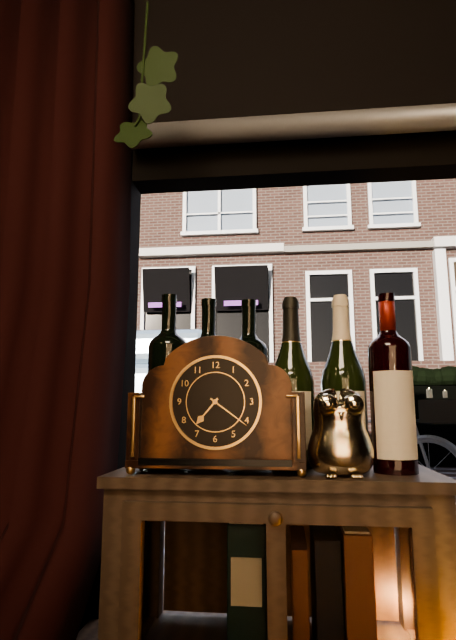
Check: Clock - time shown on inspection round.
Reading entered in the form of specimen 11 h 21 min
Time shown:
7 h 21 min
